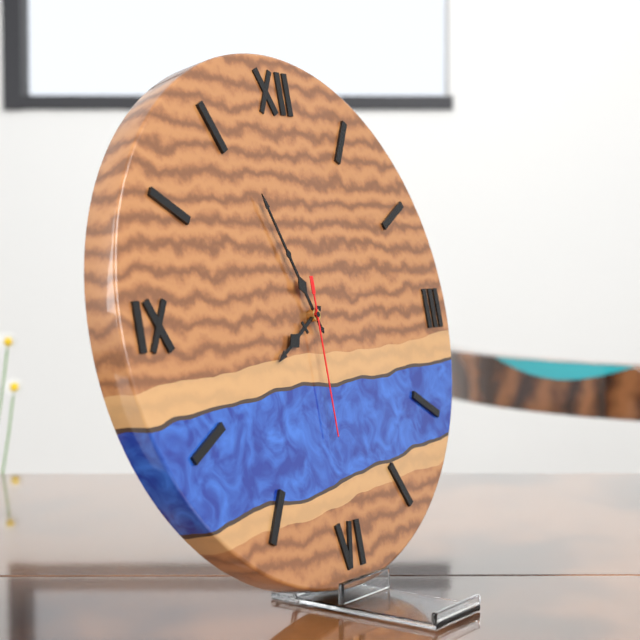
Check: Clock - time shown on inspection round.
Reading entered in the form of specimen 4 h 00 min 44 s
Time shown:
7 h 56 min 30 s
